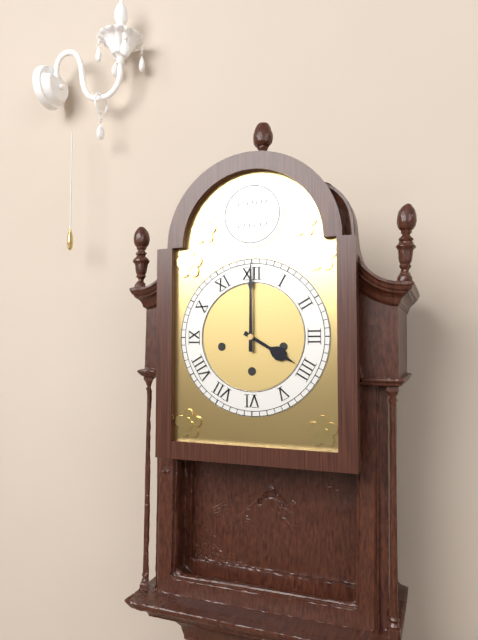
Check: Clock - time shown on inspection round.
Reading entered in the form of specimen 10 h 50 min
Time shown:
4 h 00 min
